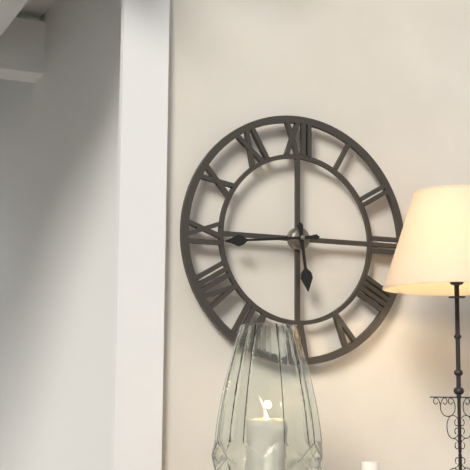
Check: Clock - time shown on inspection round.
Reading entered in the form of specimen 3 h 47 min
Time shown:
5 h 44 min
